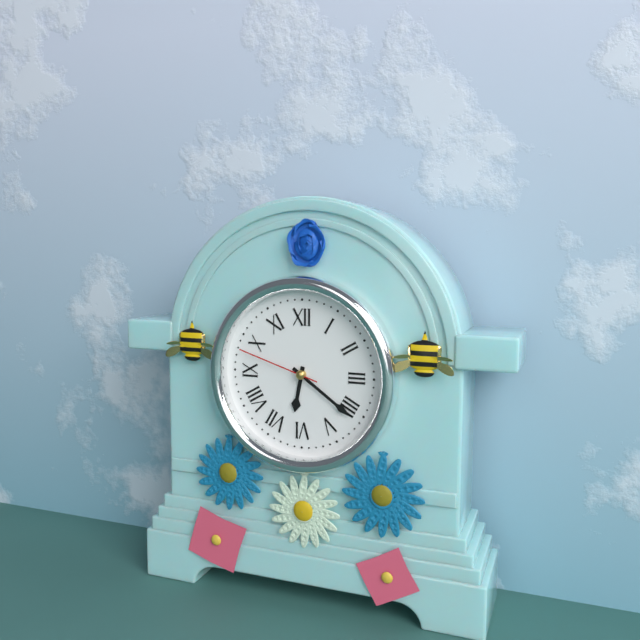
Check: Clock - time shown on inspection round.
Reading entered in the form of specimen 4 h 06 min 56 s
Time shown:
6 h 21 min 48 s
